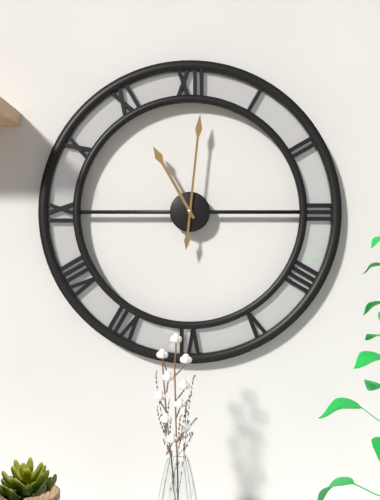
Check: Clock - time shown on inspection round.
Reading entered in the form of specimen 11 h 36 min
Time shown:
11 h 01 min
